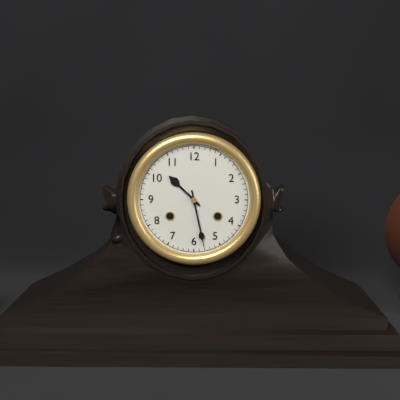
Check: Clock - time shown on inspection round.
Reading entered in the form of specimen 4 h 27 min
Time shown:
10 h 28 min
